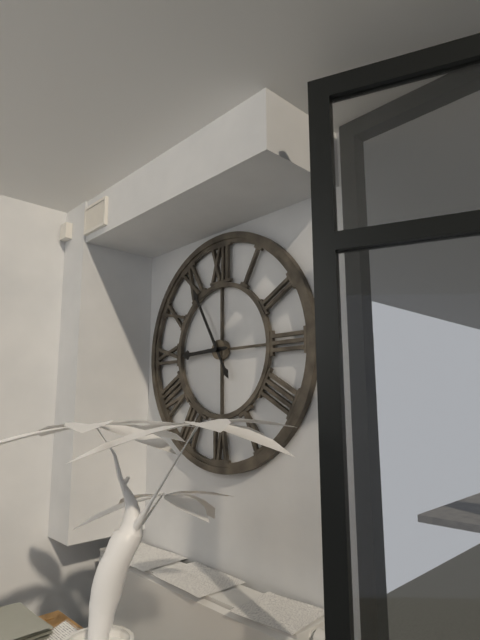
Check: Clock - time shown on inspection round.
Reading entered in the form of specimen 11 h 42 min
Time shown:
8 h 55 min
